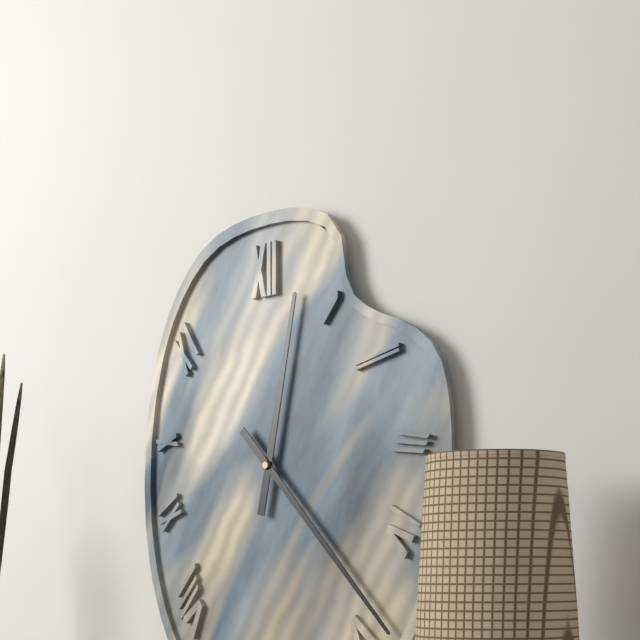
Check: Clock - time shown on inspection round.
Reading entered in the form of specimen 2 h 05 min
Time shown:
12 h 23 min
